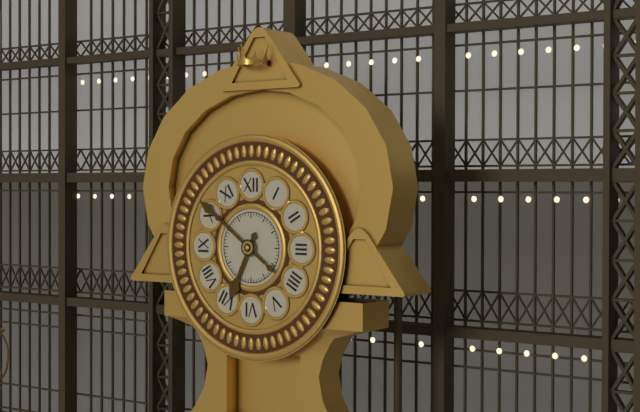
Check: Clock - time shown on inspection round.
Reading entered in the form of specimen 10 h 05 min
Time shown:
6 h 51 min
